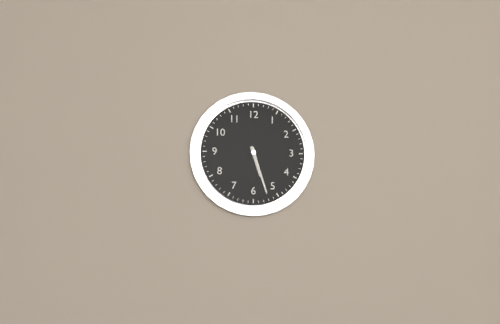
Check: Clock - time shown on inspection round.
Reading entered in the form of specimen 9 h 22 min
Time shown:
5 h 27 min
